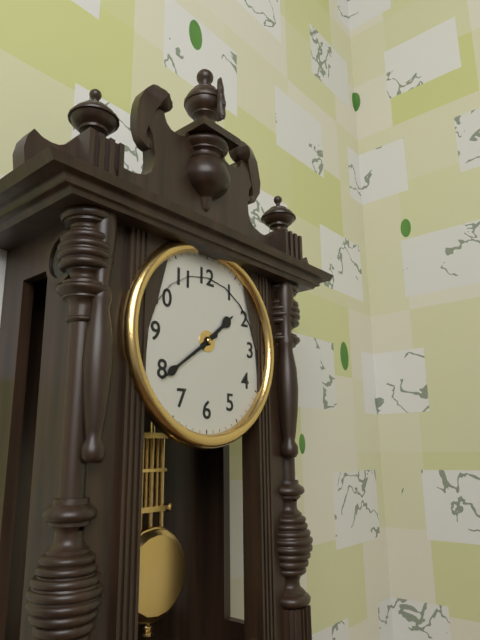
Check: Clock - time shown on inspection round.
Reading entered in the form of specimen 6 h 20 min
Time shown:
1 h 39 min
